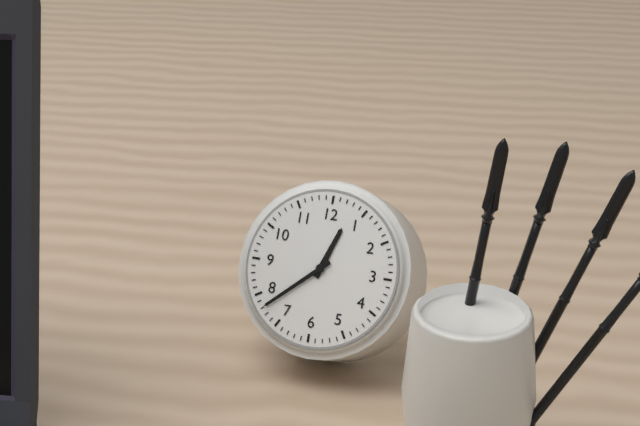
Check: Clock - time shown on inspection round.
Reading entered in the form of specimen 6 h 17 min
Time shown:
12 h 38 min
